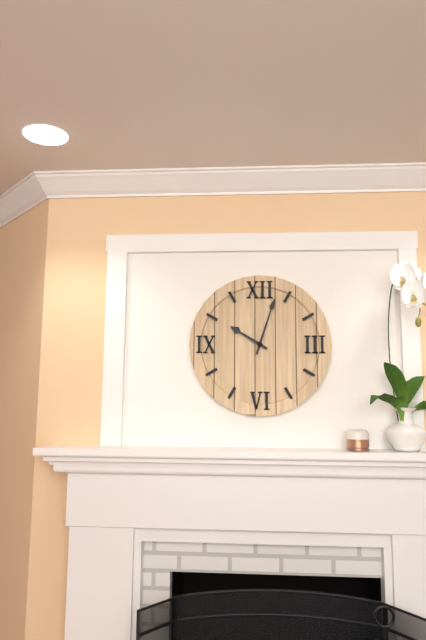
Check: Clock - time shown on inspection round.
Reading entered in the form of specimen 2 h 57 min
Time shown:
10 h 03 min
